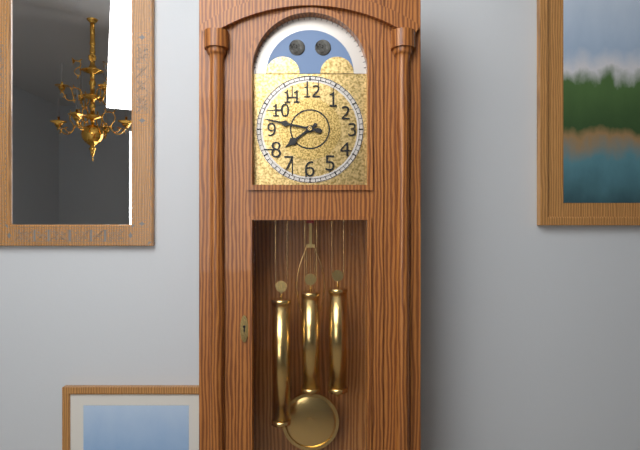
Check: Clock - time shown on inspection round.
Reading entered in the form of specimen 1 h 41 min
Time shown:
7 h 47 min
